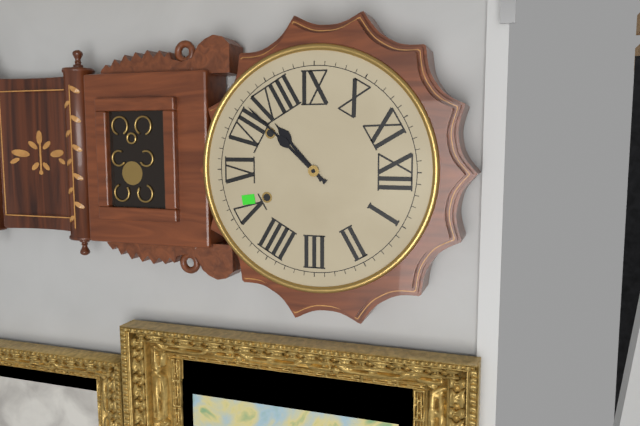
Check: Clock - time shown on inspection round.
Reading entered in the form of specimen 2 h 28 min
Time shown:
7 h 37 min
